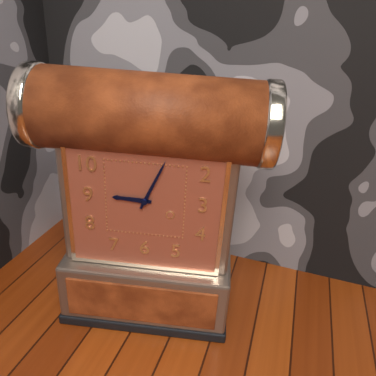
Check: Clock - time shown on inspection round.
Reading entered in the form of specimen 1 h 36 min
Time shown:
9 h 04 min
